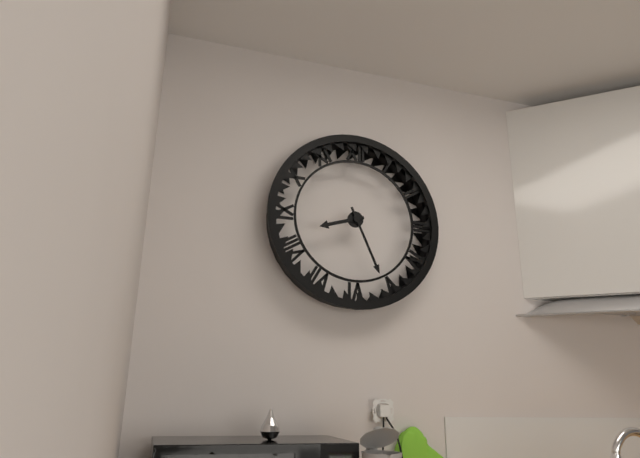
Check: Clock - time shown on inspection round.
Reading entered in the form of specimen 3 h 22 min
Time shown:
8 h 26 min
